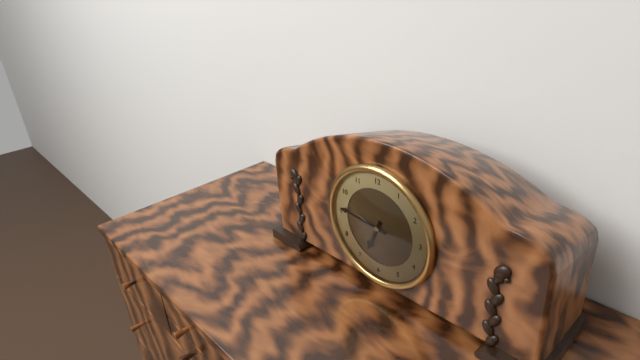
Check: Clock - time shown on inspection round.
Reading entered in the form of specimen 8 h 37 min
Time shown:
6 h 46 min
